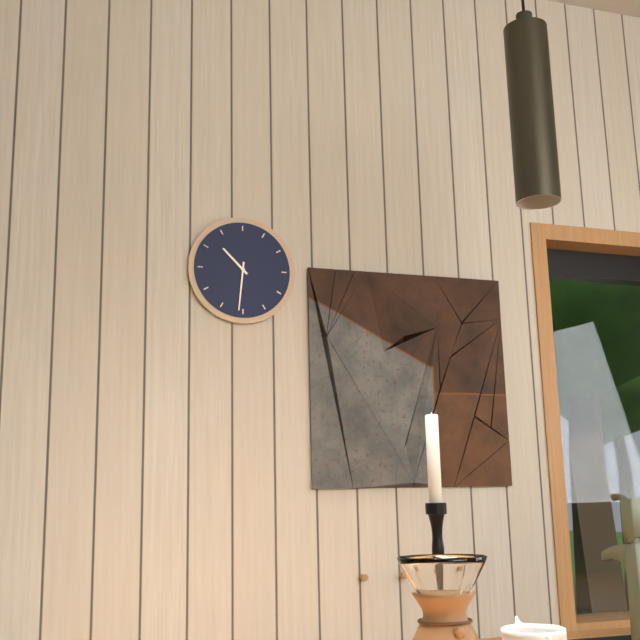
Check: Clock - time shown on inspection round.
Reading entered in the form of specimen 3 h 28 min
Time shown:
10 h 31 min
